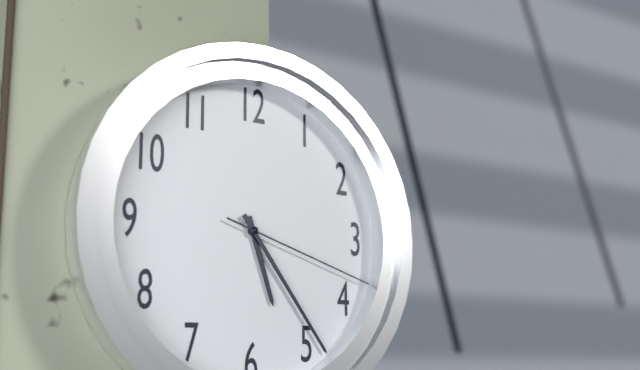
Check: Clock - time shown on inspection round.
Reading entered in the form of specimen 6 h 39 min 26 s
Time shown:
5 h 24 min 18 s
